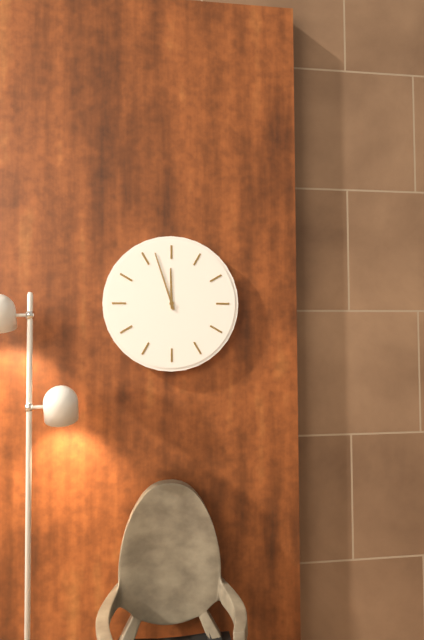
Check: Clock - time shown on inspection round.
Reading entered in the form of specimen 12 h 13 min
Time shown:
11 h 57 min
